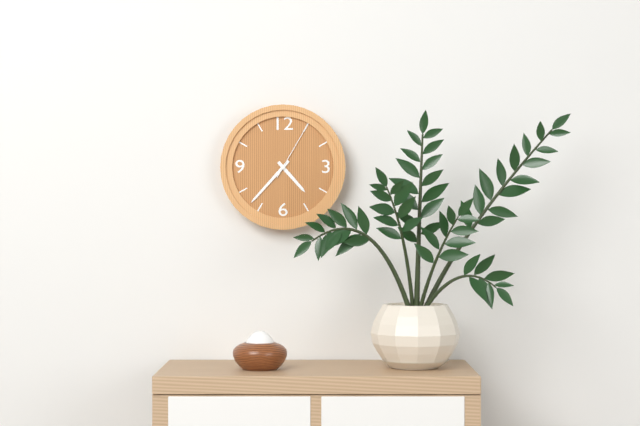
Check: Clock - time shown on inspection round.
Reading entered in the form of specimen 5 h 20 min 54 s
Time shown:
4 h 37 min 05 s
